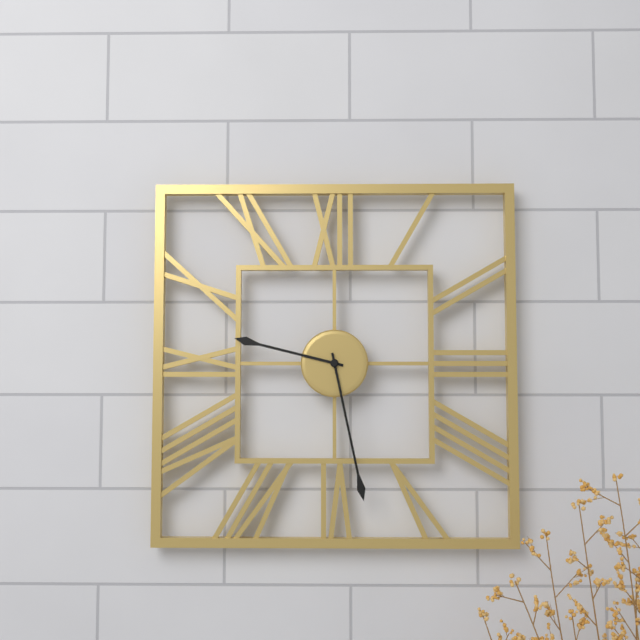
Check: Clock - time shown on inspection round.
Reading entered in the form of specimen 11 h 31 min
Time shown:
9 h 28 min
